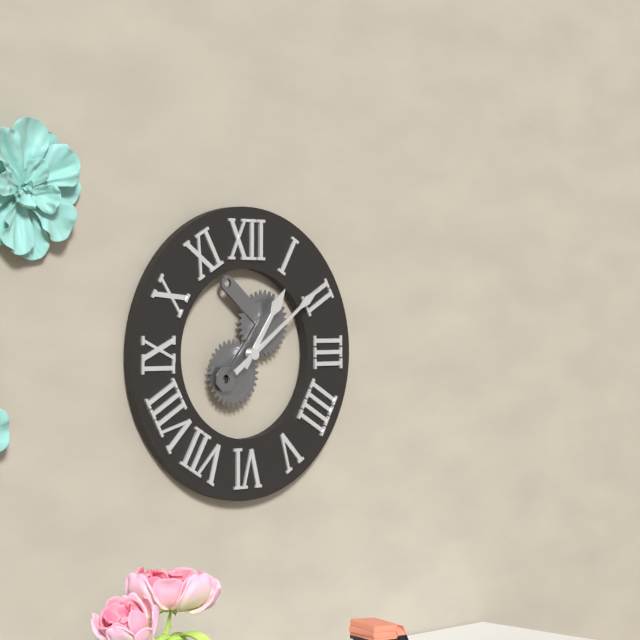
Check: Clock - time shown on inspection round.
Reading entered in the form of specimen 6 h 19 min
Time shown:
1 h 09 min
